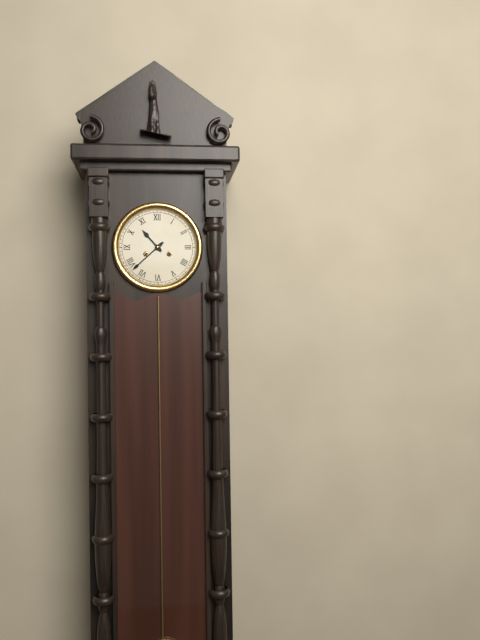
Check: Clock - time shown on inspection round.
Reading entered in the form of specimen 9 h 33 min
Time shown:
10 h 38 min
